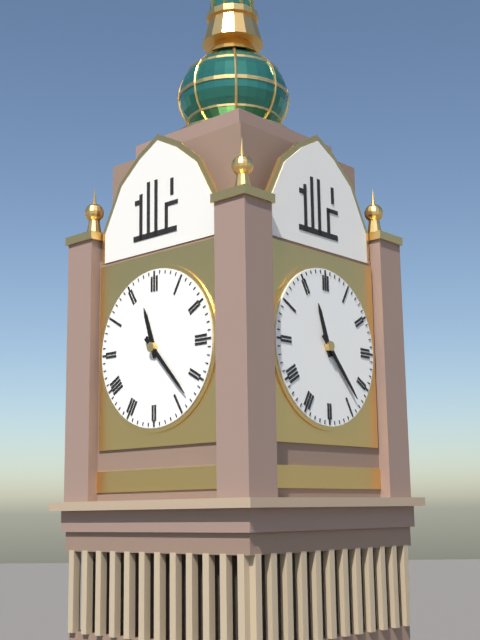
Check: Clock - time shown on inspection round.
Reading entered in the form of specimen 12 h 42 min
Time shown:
11 h 23 min
